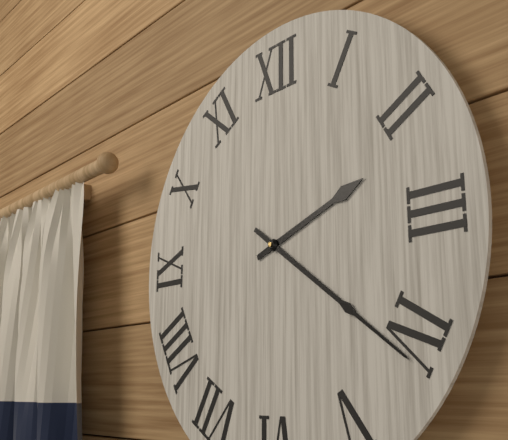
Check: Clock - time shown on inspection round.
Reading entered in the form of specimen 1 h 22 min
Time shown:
2 h 21 min
